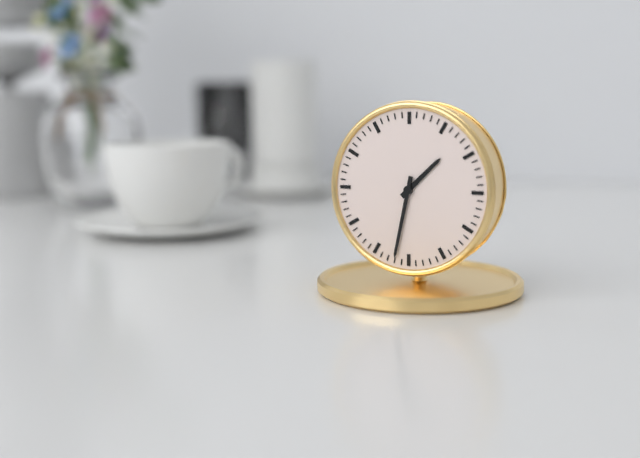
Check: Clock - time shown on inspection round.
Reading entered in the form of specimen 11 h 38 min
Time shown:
1 h 32 min
